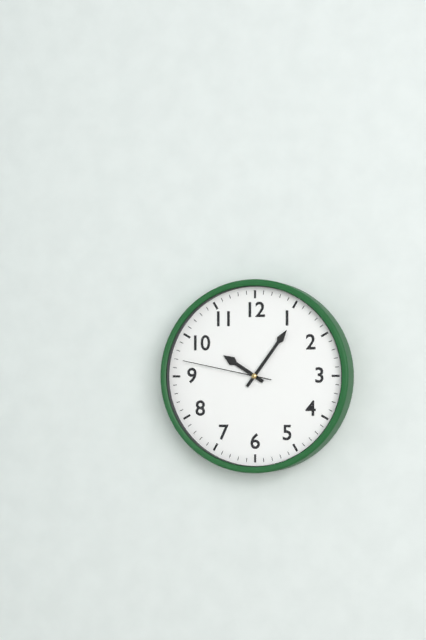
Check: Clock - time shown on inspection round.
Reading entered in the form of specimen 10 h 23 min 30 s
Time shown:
10 h 06 min 47 s
